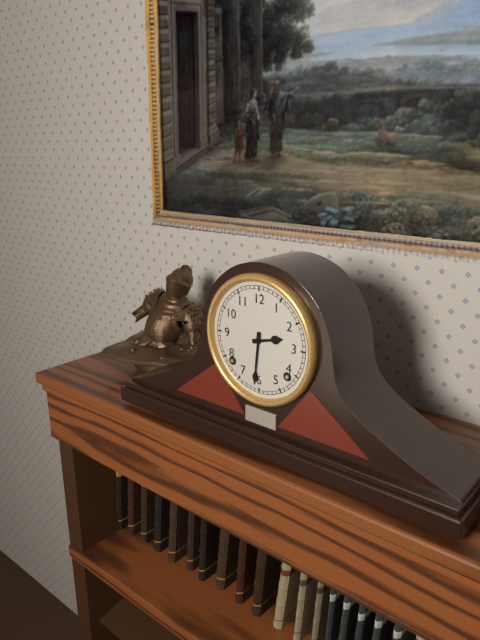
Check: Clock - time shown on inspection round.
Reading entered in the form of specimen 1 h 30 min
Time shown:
2 h 31 min
